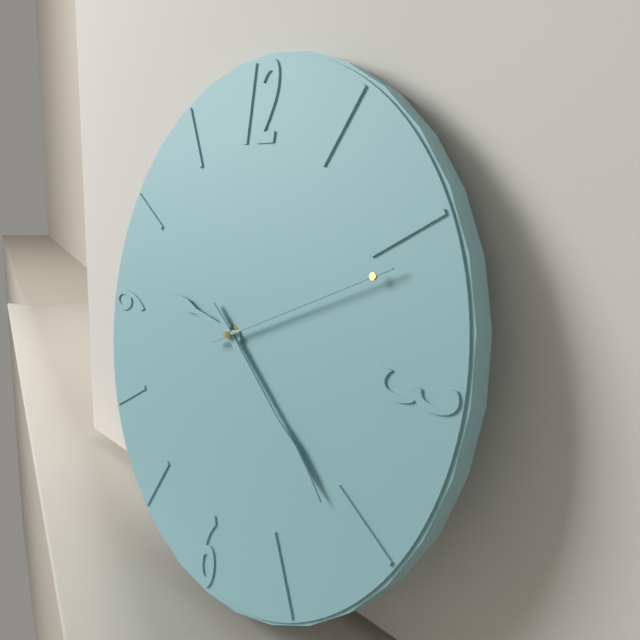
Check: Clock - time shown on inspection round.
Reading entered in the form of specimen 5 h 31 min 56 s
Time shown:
9 h 21 min 11 s
